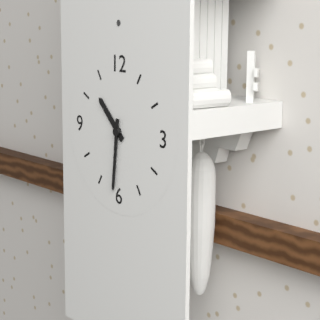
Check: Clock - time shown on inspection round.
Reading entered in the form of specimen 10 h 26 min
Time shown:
10 h 31 min
